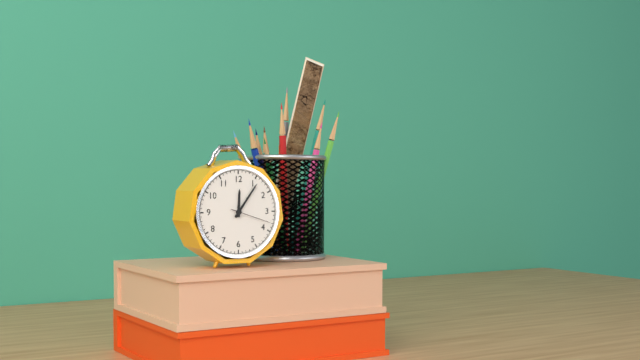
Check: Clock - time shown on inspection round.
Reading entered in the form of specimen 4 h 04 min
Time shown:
12 h 06 min
